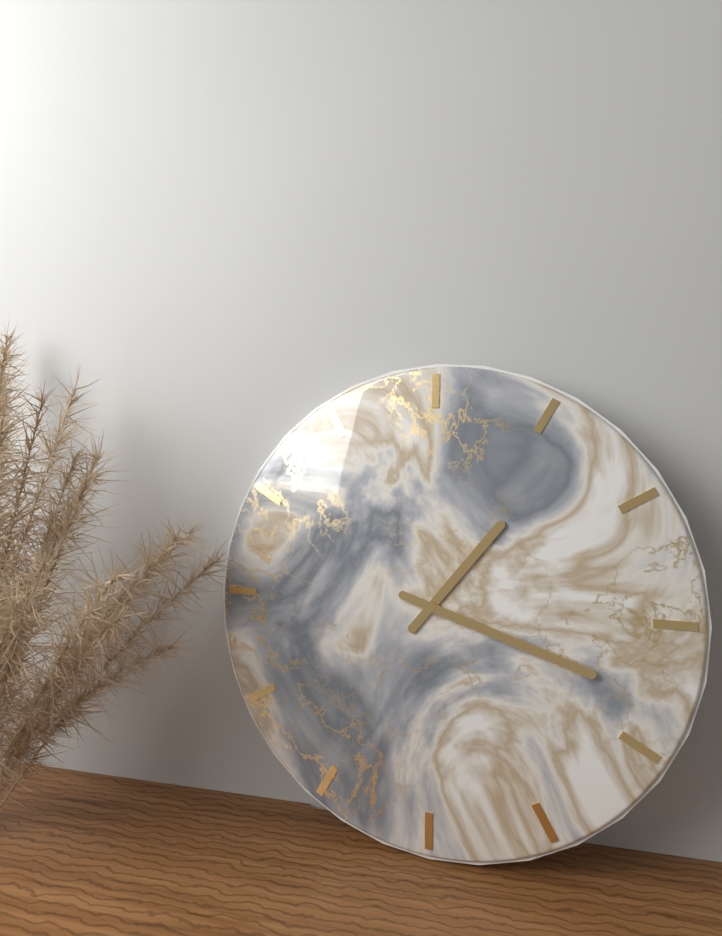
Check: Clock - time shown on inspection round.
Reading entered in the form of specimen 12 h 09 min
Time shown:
1 h 18 min
